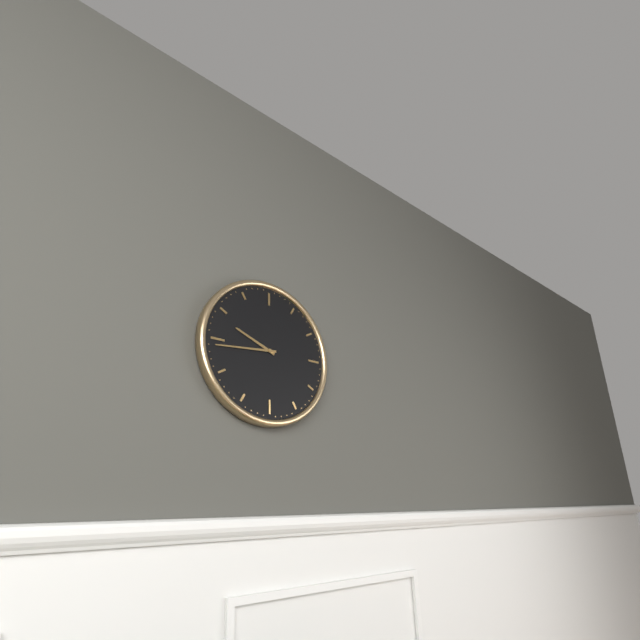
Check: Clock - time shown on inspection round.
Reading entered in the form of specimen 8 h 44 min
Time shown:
9 h 44 min
